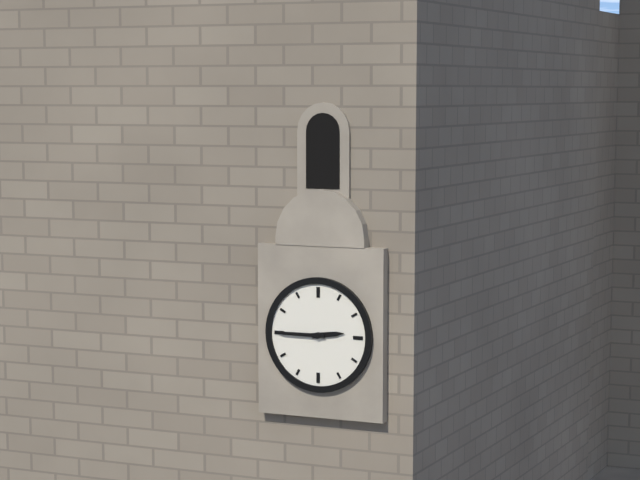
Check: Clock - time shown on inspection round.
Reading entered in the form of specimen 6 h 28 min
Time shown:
2 h 45 min
